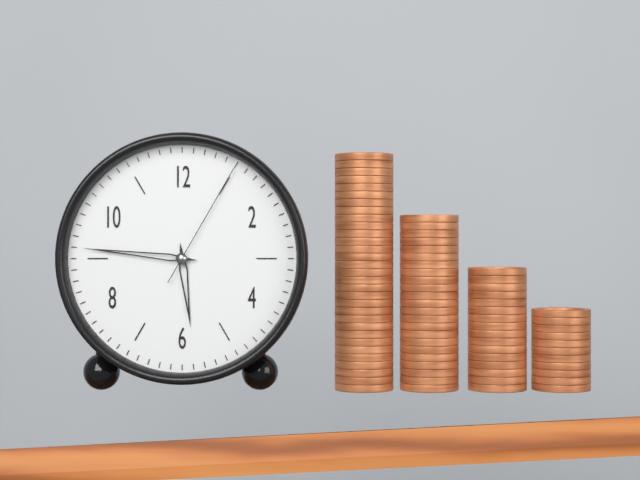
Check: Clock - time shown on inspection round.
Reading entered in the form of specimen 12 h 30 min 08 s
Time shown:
5 h 46 min 05 s
